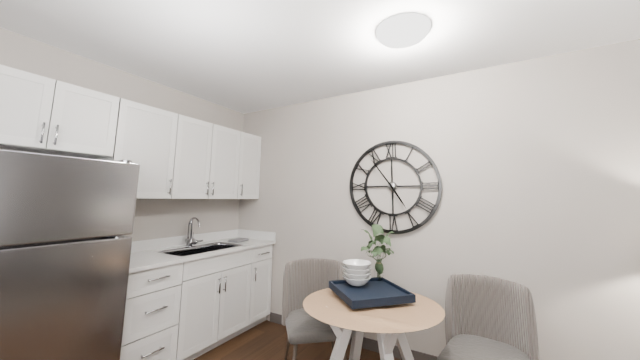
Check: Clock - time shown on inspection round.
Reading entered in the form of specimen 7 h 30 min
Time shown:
4 h 54 min
